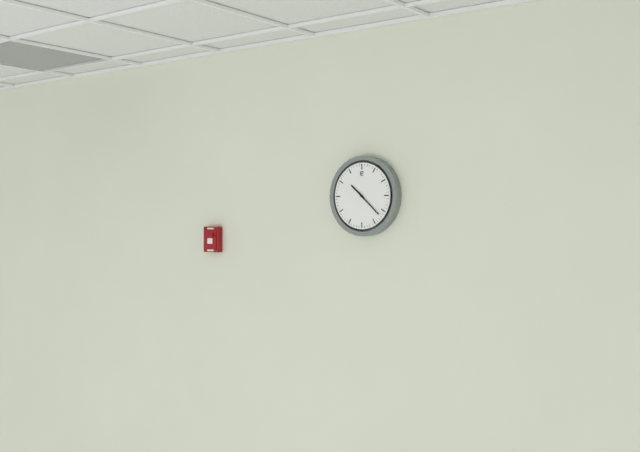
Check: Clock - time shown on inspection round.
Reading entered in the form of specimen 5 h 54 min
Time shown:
10 h 22 min
